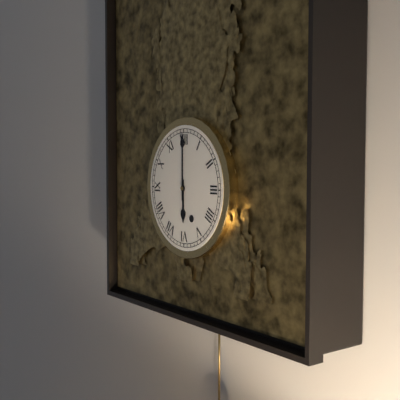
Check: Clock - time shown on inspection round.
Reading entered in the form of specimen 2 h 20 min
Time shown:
6 h 00 min
